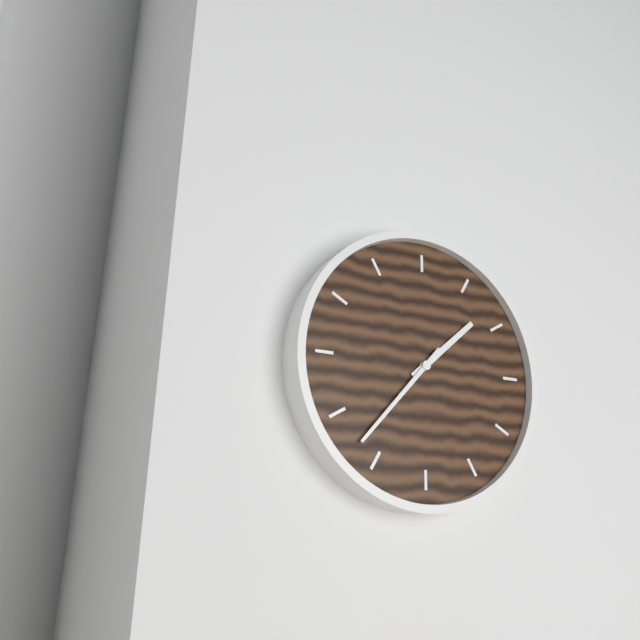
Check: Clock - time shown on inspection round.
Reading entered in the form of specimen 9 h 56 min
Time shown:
1 h 37 min
